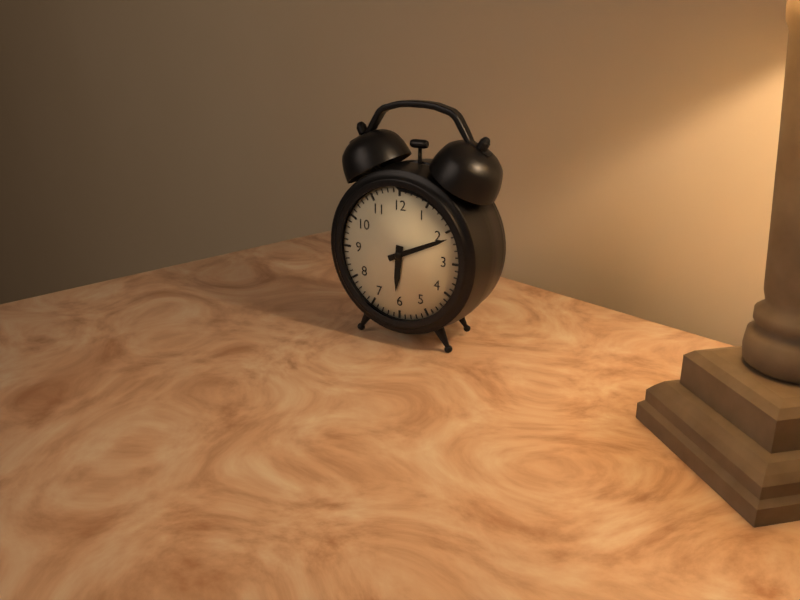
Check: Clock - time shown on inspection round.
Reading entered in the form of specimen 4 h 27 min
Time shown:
6 h 11 min
